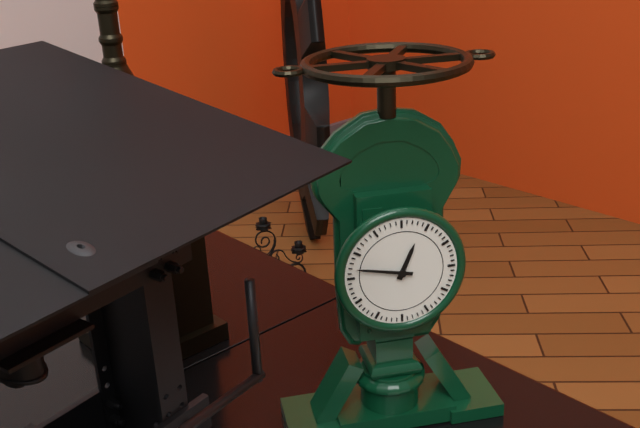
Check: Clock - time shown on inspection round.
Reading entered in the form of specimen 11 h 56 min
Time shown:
12 h 47 min
